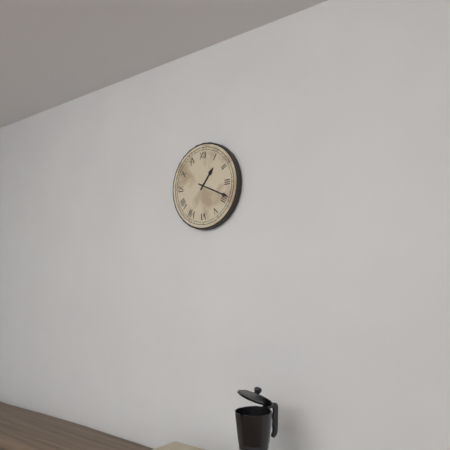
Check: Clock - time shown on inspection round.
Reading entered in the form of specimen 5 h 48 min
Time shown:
1 h 19 min
